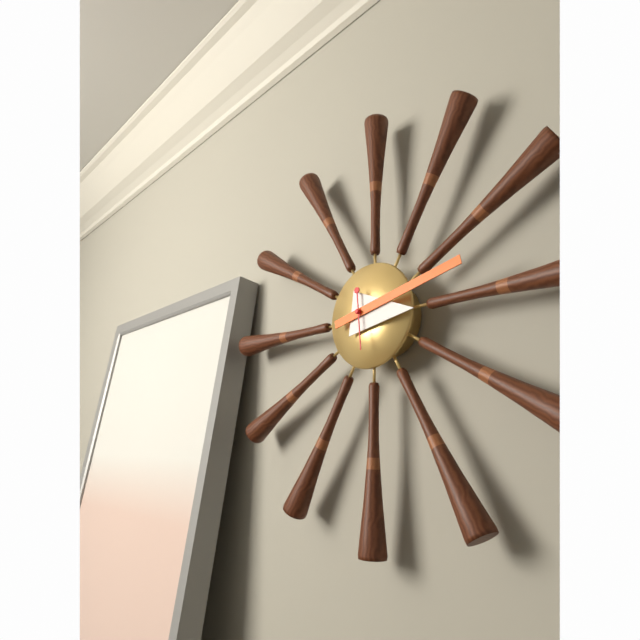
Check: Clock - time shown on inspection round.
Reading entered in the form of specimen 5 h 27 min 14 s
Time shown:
3 h 13 min 29 s
